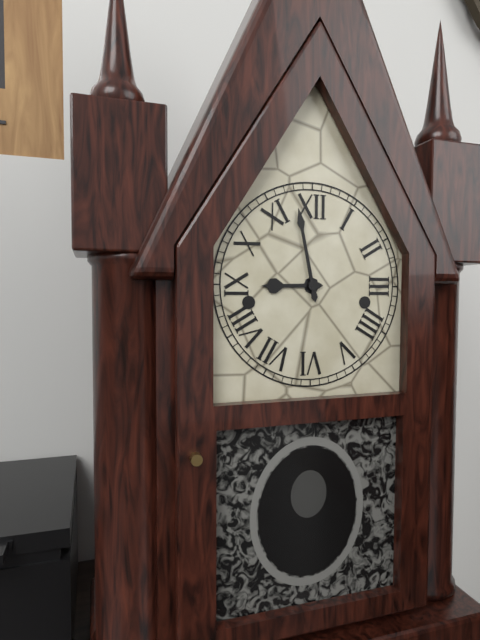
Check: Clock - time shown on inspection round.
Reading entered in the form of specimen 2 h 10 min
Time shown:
8 h 58 min
